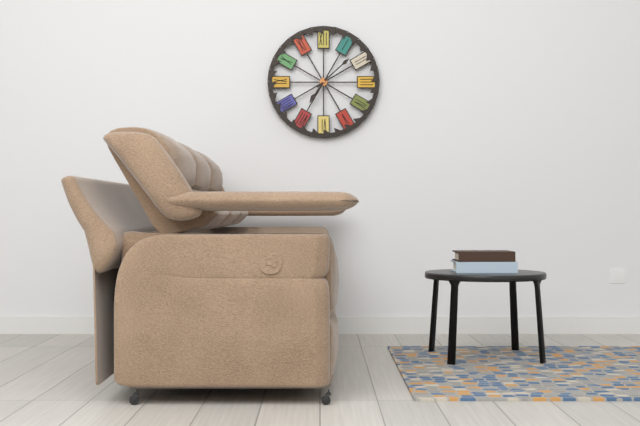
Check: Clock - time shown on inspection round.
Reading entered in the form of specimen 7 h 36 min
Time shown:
7 h 08 min
